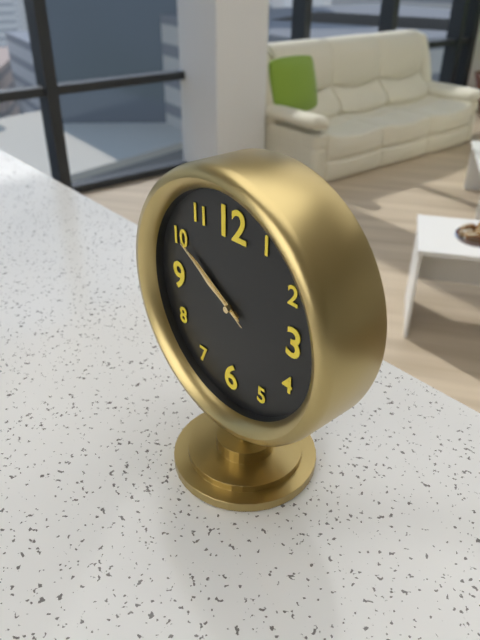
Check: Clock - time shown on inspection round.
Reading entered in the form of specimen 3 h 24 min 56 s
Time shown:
9 h 50 min 50 s
